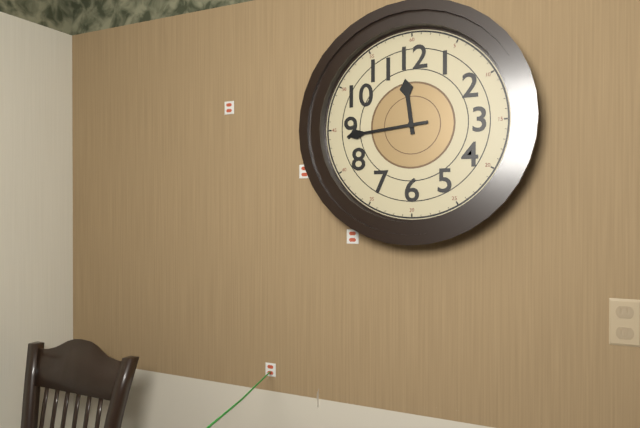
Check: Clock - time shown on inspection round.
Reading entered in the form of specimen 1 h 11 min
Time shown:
11 h 44 min
